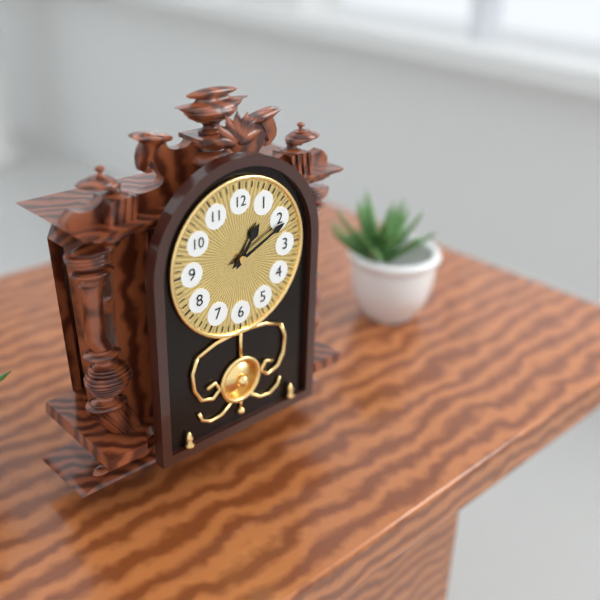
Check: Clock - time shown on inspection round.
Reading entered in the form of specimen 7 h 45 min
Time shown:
1 h 11 min
